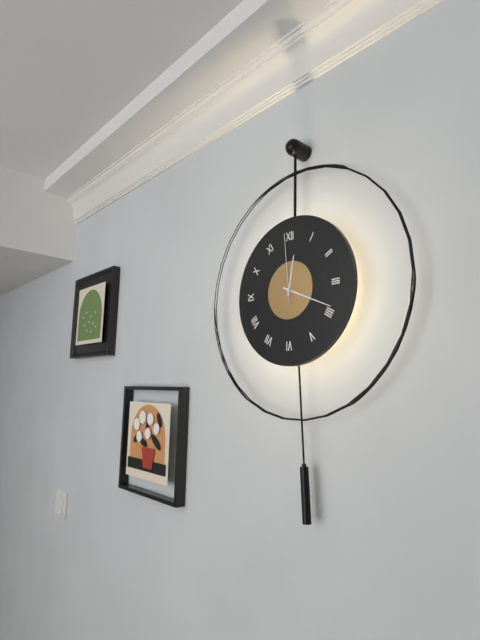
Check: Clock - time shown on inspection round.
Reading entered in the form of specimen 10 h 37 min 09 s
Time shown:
12 h 19 min 59 s
